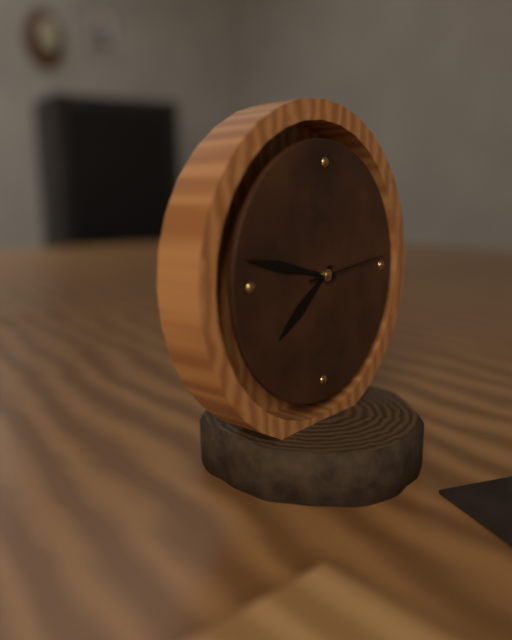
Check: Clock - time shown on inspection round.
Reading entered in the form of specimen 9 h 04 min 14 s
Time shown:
7 h 47 min 14 s
